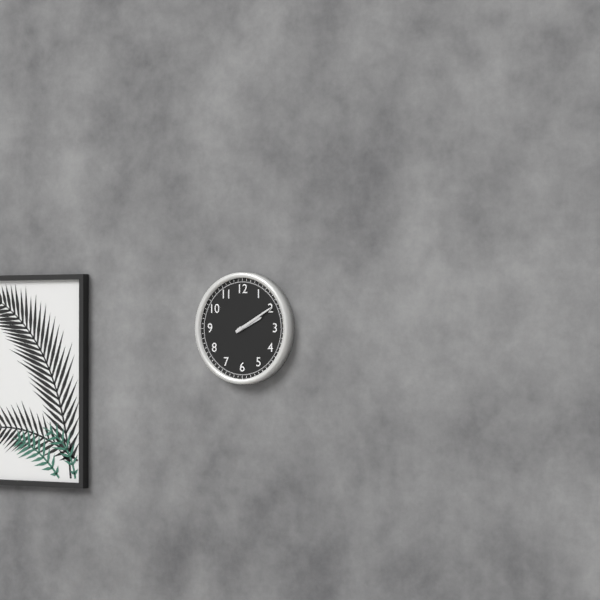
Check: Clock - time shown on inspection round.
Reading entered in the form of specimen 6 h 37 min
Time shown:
2 h 10 min
